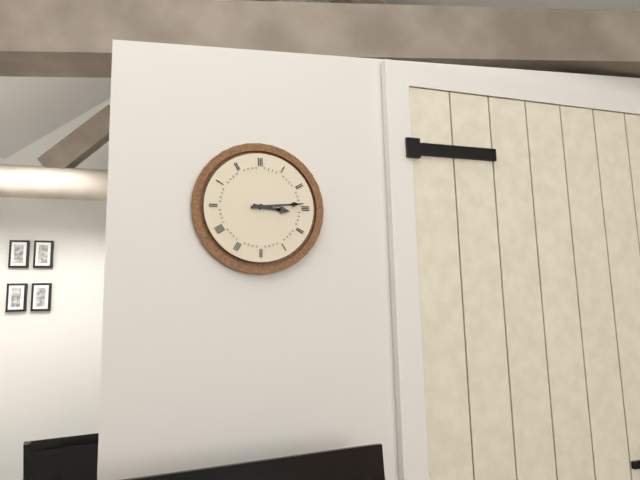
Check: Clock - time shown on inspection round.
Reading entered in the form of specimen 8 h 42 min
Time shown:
3 h 14 min
